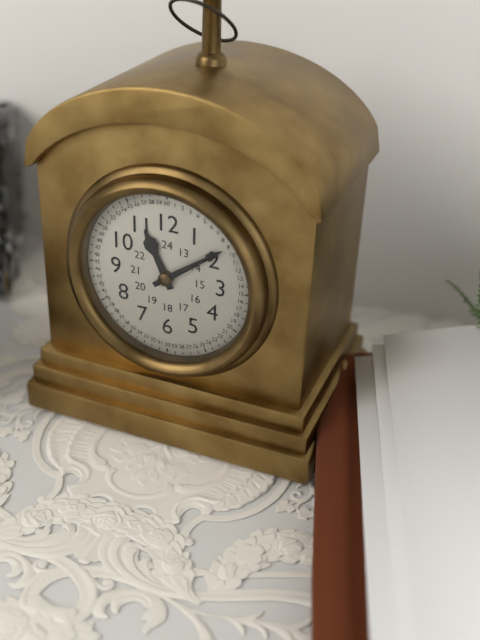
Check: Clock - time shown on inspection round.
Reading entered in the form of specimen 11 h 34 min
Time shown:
11 h 09 min
